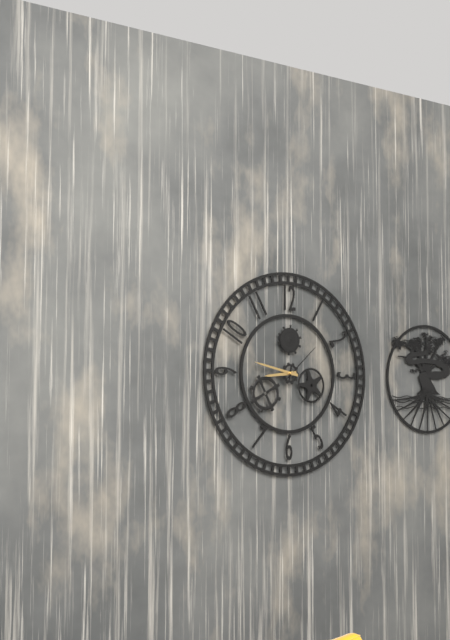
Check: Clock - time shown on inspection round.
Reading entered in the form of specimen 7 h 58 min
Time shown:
8 h 47 min
